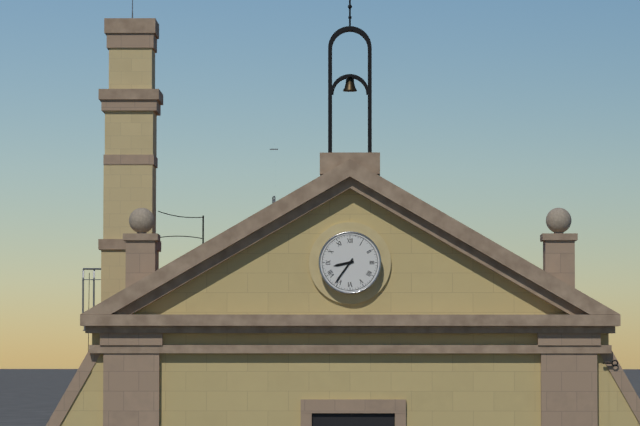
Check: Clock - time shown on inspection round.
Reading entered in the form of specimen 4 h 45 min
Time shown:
8 h 36 min
